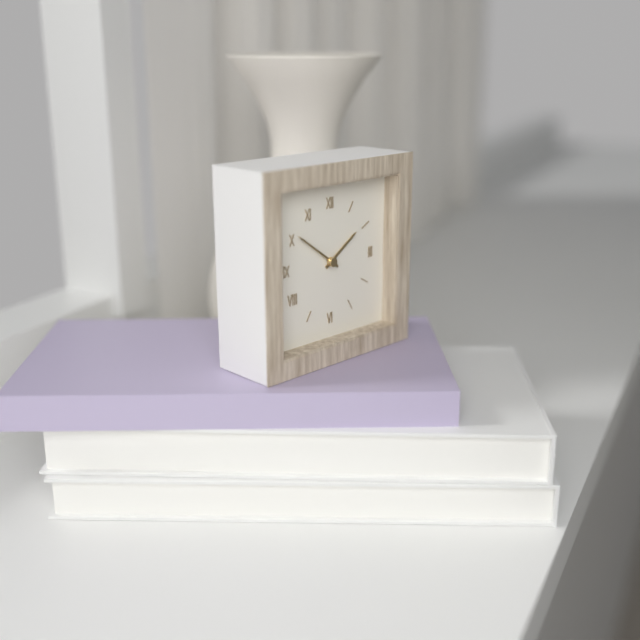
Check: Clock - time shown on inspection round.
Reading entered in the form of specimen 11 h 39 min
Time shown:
1 h 51 min
